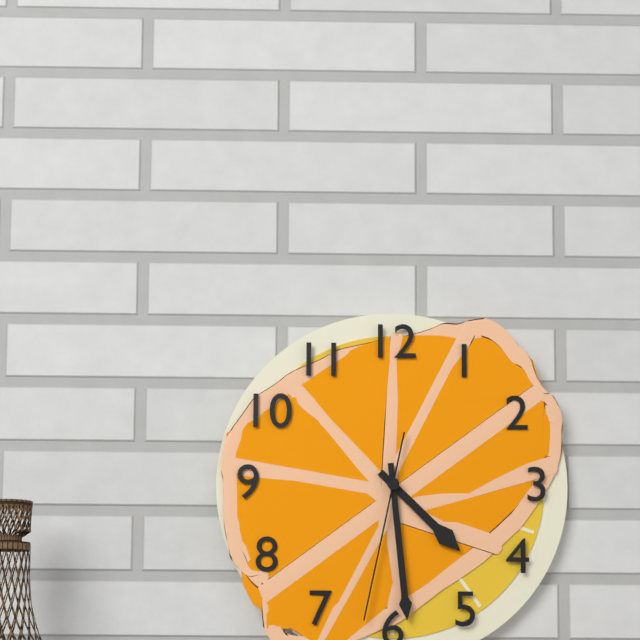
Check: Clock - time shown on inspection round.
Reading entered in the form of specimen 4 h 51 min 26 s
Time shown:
4 h 29 min 32 s
